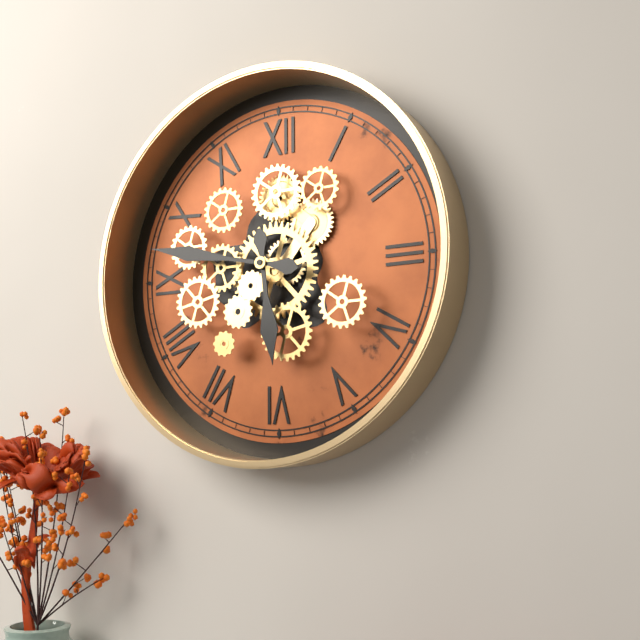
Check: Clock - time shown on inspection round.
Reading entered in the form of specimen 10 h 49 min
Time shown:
5 h 47 min
